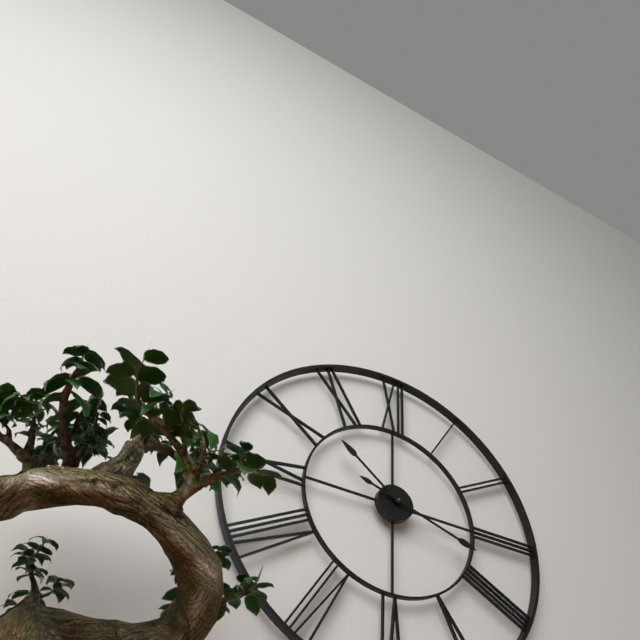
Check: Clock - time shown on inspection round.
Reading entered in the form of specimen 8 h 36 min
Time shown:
10 h 18 min
